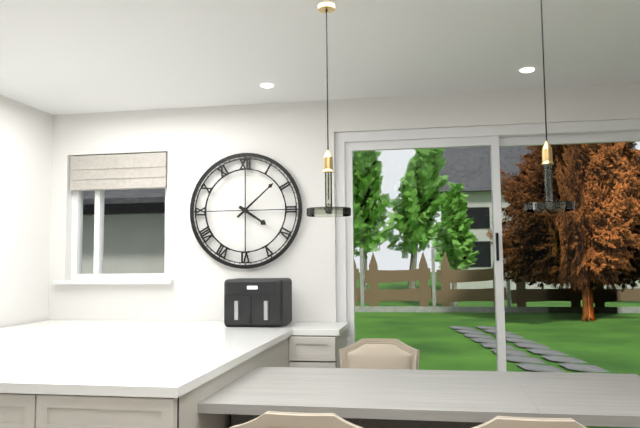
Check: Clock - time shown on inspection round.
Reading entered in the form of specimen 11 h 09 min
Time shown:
4 h 08 min
